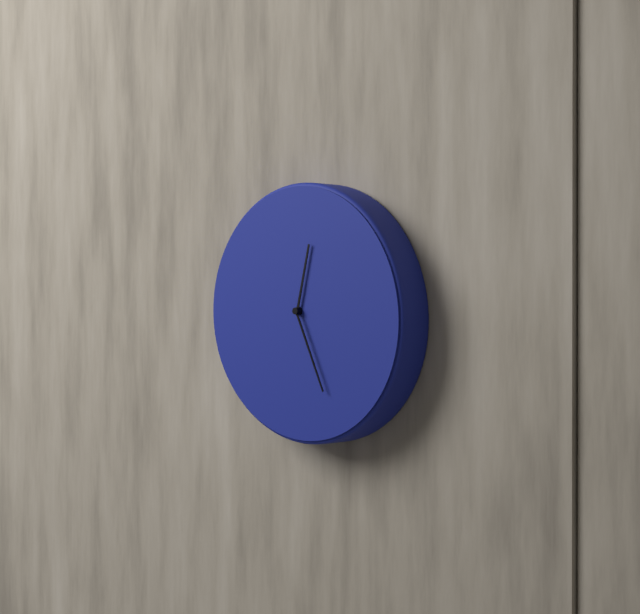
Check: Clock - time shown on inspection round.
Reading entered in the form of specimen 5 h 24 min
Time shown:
12 h 26 min
